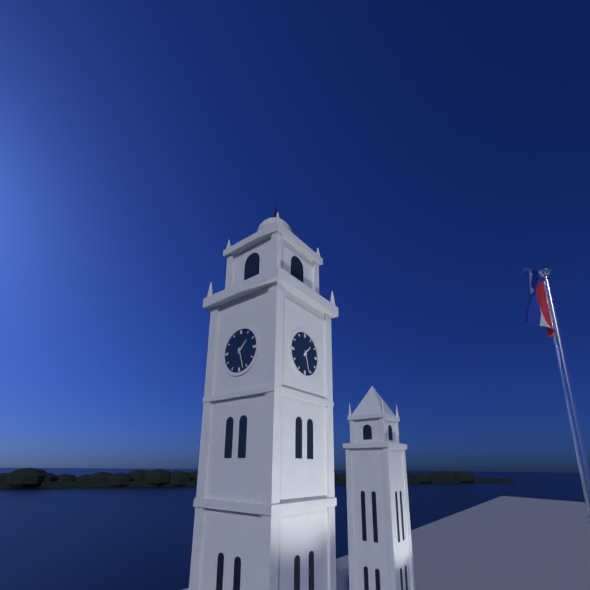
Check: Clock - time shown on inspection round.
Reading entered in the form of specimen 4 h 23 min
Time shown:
1 h 27 min
